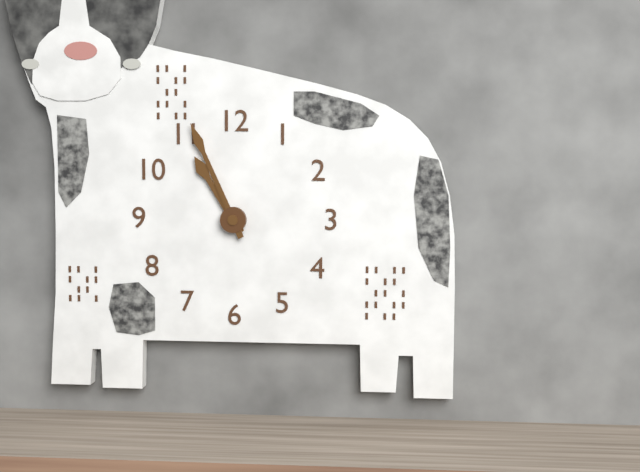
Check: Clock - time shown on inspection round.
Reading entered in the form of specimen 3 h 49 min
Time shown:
10 h 56 min
